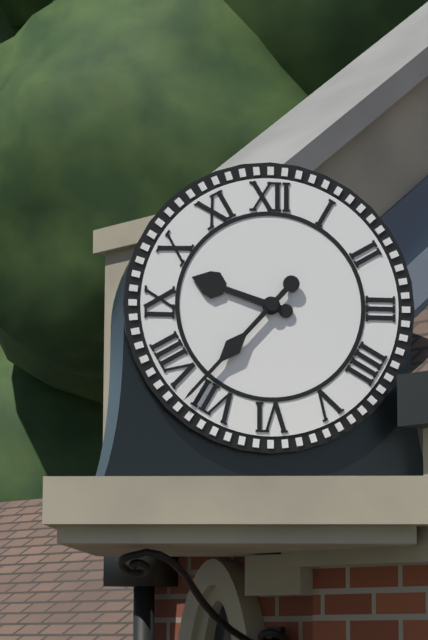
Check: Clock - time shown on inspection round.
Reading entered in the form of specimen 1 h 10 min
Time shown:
9 h 37 min
